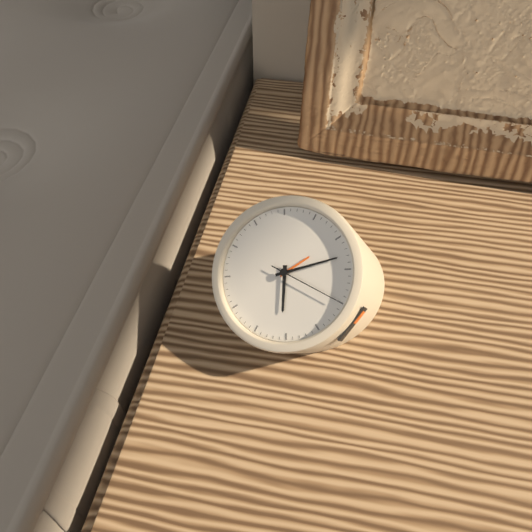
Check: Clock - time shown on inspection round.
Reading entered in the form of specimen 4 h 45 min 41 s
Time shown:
5 h 08 min 15 s
